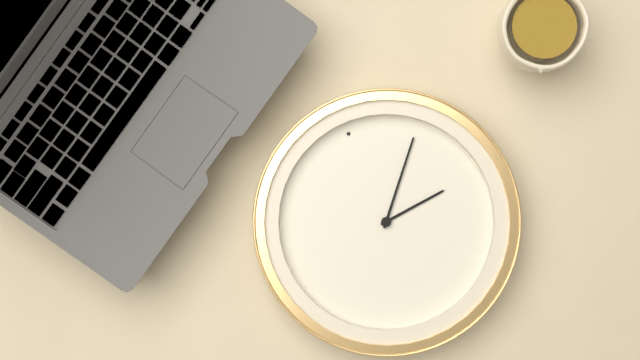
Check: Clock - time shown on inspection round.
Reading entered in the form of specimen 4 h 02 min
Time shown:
2 h 03 min
